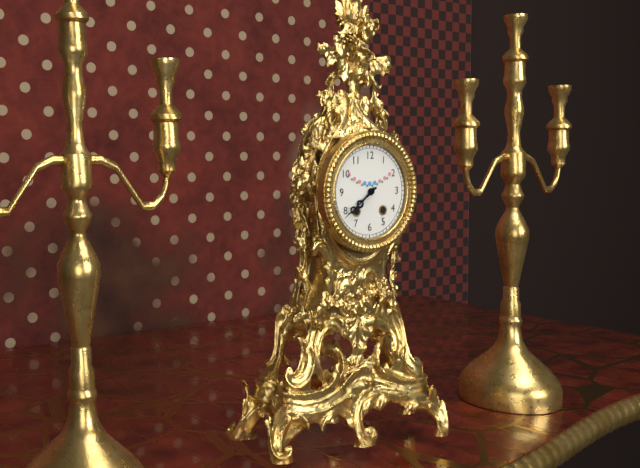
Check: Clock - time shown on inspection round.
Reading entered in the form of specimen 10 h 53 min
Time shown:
7 h 39 min
